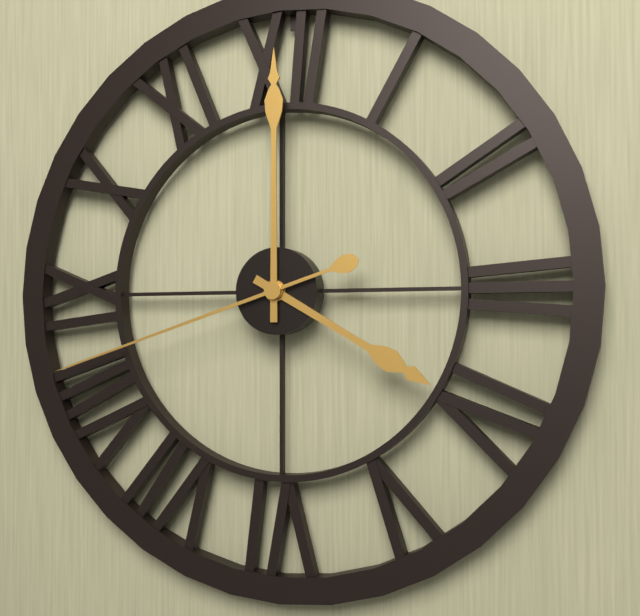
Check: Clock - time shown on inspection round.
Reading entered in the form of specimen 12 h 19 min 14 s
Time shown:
4 h 00 min 42 s
